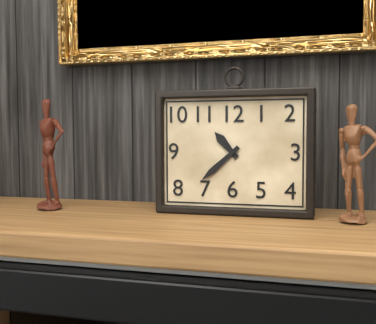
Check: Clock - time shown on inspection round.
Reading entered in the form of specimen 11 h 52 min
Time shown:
10 h 38 min
